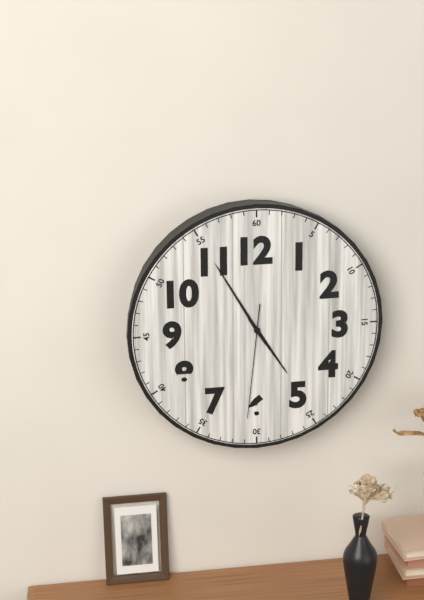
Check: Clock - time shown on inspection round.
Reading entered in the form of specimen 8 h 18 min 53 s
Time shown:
4 h 55 min 31 s
